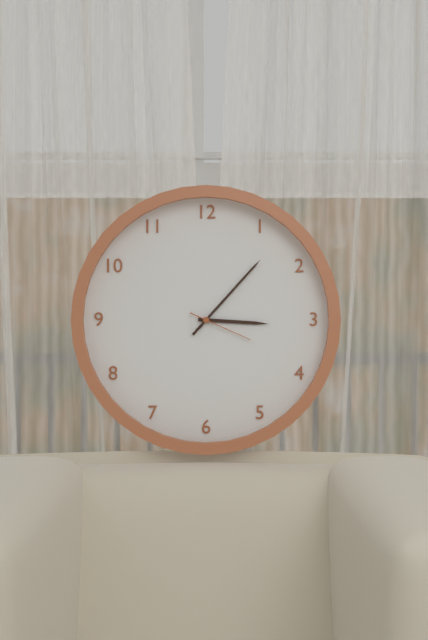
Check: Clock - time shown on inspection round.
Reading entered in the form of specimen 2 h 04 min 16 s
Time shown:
3 h 07 min 19 s
